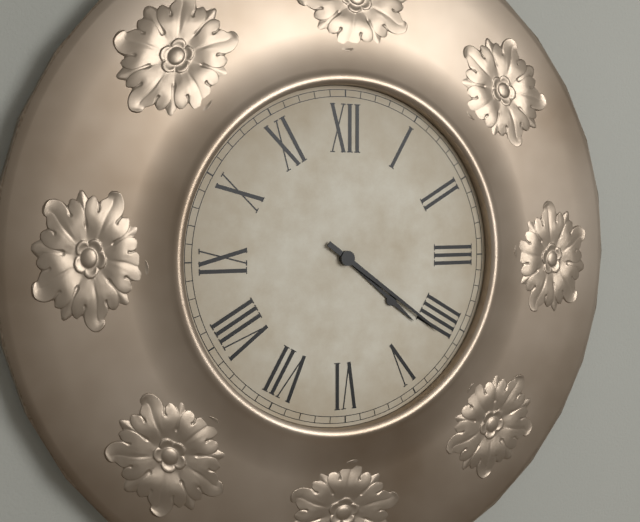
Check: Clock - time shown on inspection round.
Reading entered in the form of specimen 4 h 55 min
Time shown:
4 h 21 min
